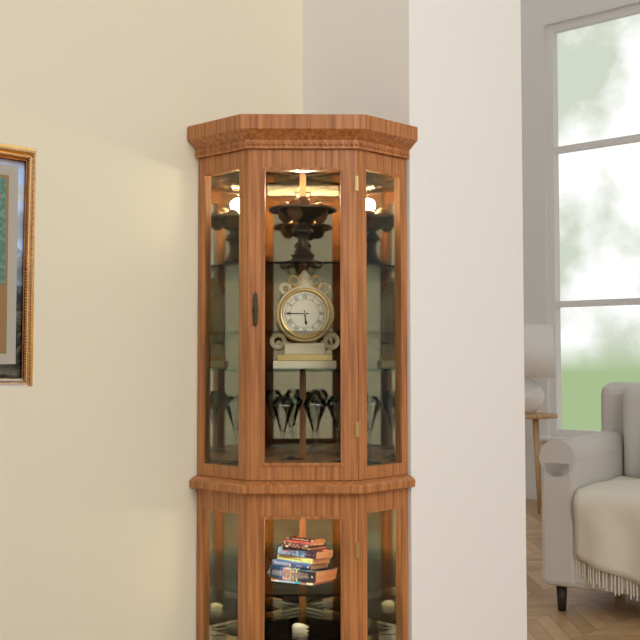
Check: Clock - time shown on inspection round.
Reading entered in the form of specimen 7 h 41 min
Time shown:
5 h 45 min
